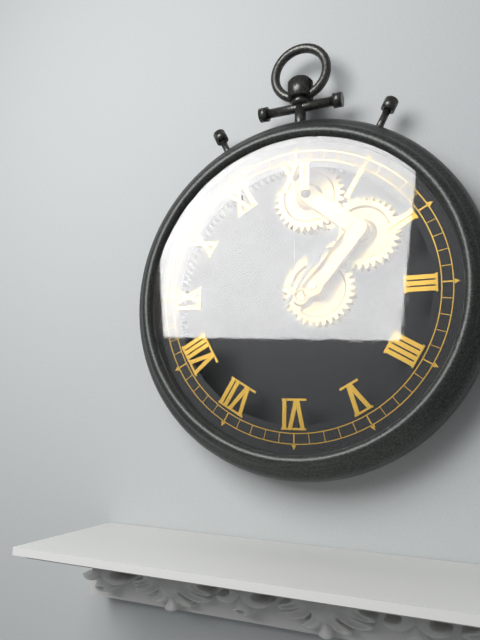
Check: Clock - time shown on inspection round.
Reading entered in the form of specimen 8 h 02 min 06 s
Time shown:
1 h 06 min 00 s
